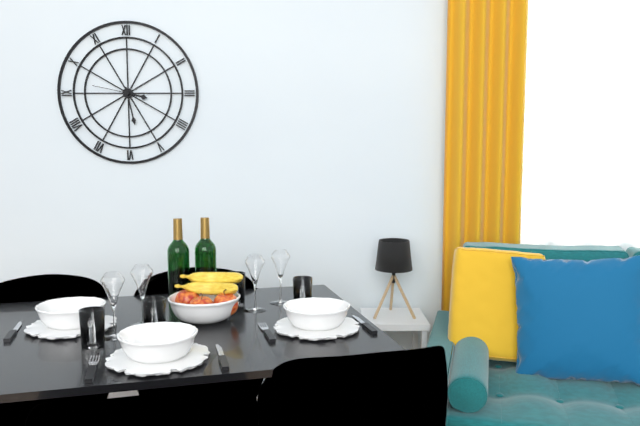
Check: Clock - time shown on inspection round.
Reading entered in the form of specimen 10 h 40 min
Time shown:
3 h 28 min
